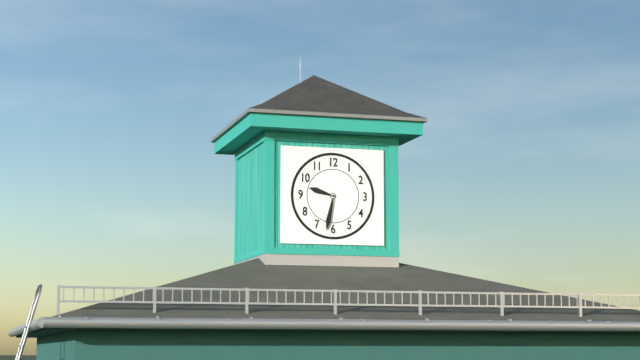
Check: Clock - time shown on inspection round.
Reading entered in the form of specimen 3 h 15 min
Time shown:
9 h 32 min
